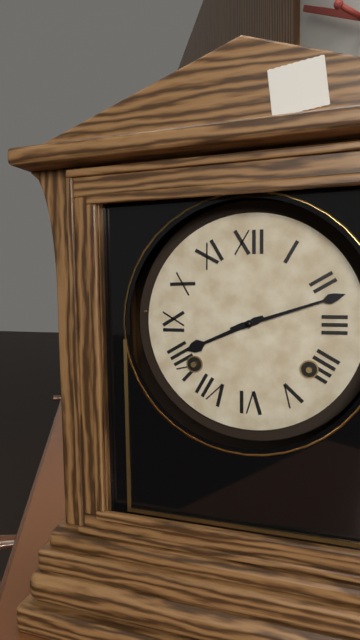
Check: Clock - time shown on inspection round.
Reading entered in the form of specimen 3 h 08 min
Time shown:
8 h 12 min
